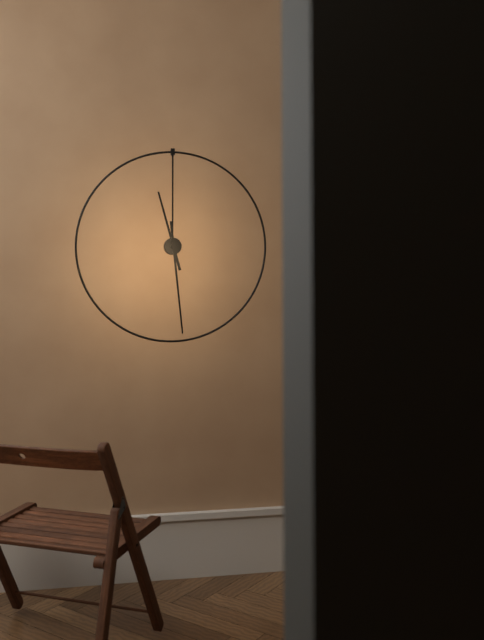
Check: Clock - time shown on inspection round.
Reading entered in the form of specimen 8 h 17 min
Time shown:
11 h 29 min
